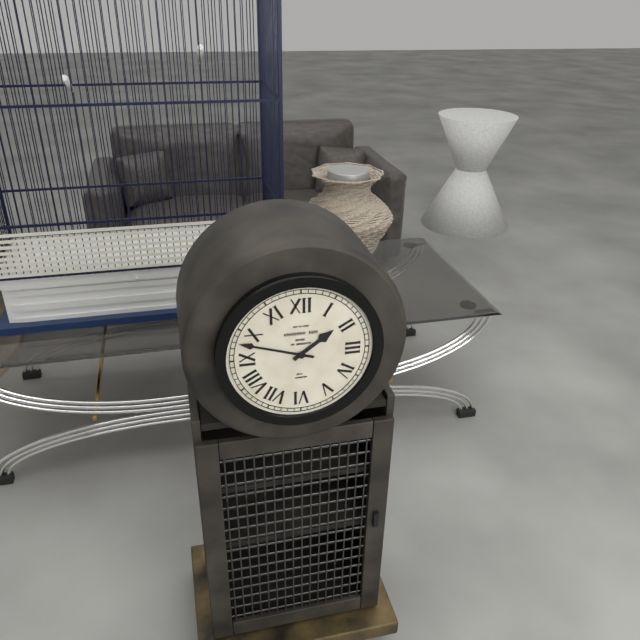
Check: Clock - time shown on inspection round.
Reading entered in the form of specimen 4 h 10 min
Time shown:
1 h 48 min
